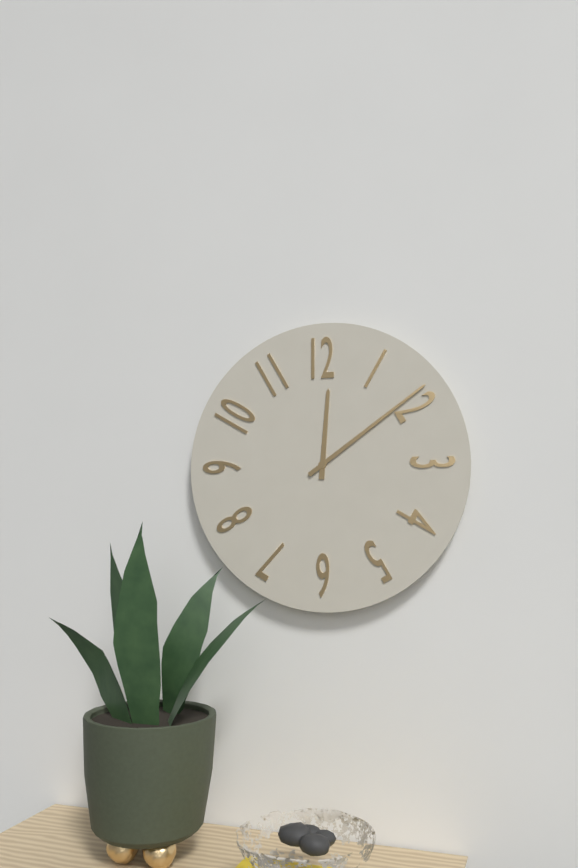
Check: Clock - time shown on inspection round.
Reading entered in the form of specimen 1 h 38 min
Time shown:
12 h 09 min
